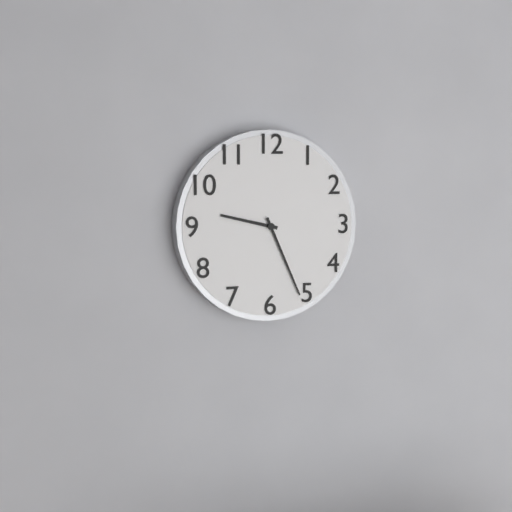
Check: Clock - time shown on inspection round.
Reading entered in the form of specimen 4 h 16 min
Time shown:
9 h 26 min
